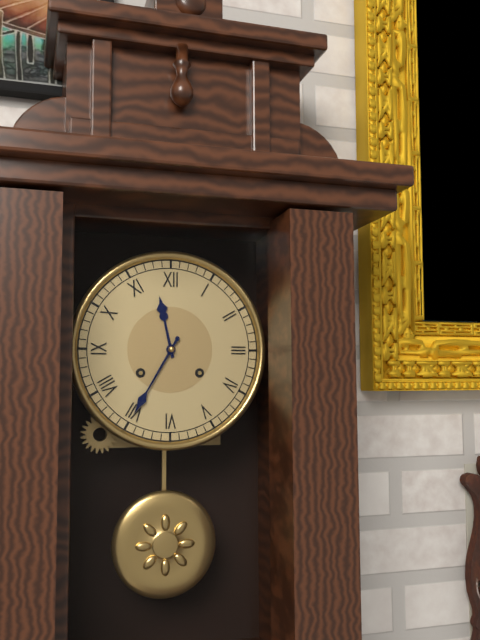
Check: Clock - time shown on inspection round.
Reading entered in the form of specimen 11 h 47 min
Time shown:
11 h 35 min
